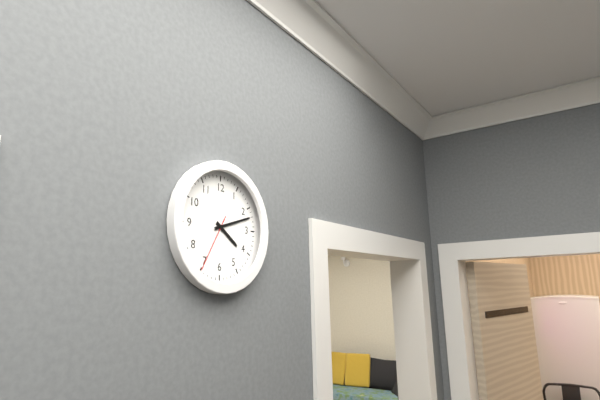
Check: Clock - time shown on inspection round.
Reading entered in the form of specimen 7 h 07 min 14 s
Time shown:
4 h 12 min 35 s
